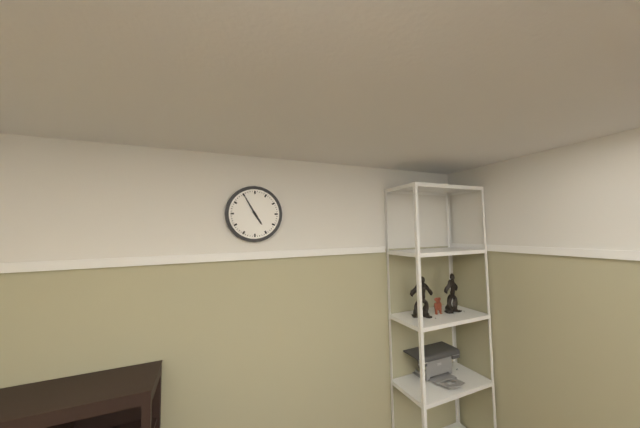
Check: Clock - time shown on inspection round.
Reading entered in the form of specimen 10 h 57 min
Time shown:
4 h 55 min
